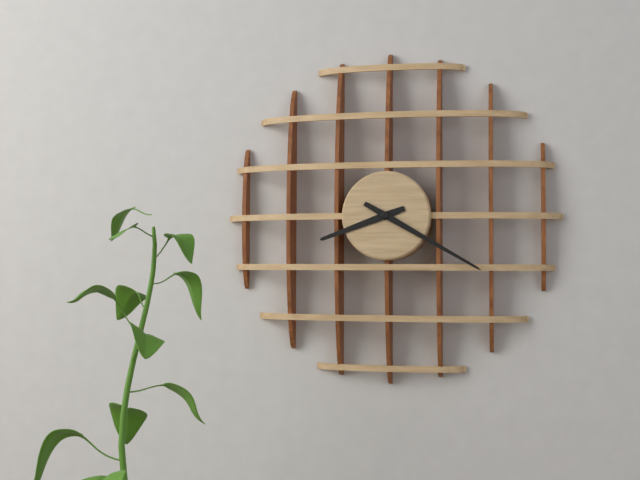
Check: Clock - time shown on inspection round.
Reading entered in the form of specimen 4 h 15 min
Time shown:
8 h 20 min
